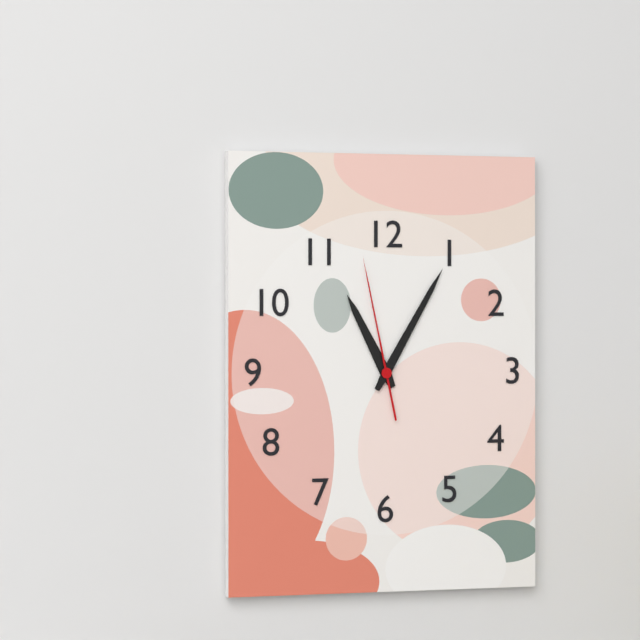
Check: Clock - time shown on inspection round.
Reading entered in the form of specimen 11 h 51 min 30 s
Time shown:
11 h 05 min 58 s
